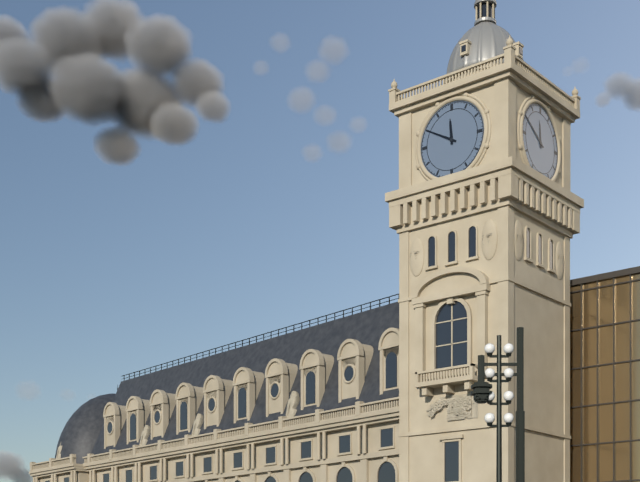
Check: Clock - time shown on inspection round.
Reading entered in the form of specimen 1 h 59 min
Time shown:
11 h 50 min
